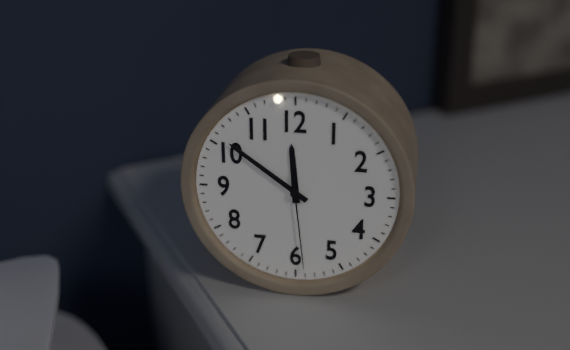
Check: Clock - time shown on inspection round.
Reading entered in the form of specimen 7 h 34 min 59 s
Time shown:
11 h 51 min 29 s
